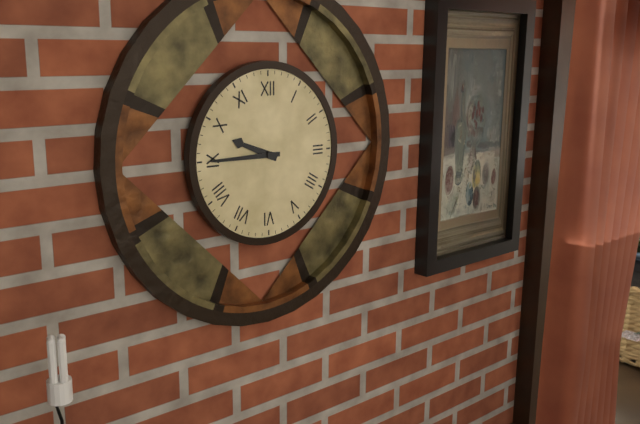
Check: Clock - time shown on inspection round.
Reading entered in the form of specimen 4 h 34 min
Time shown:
9 h 45 min
